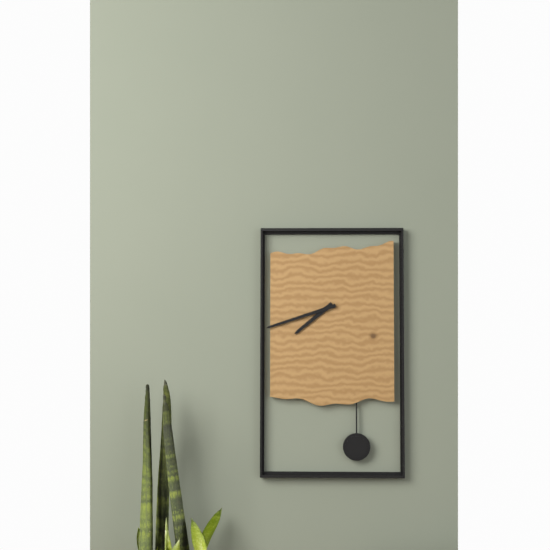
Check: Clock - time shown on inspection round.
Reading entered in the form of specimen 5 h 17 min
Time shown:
7 h 42 min
